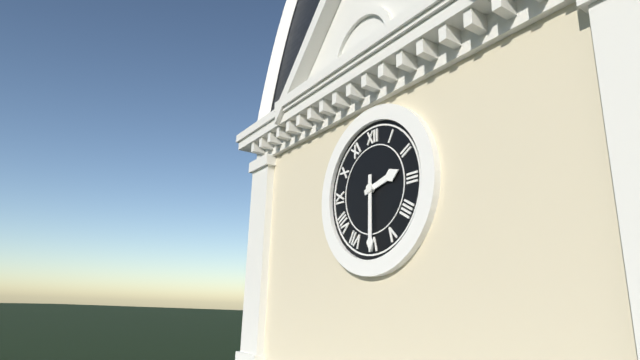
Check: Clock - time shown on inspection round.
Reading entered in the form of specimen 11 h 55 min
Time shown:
2 h 30 min
